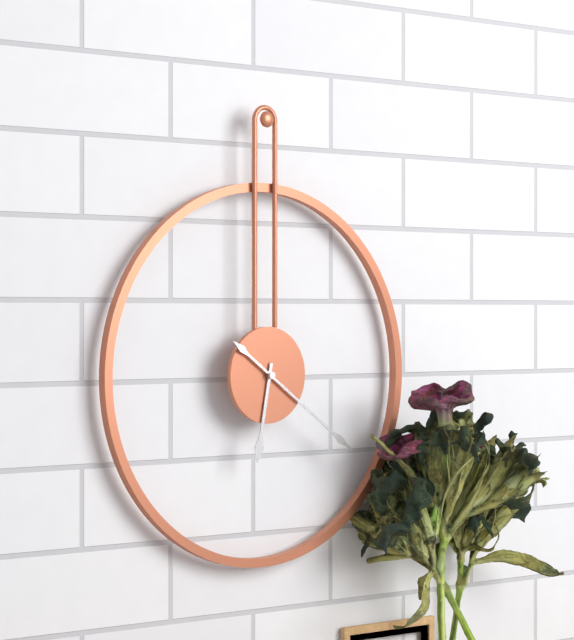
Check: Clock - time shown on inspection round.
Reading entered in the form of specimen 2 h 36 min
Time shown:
6 h 21 min
